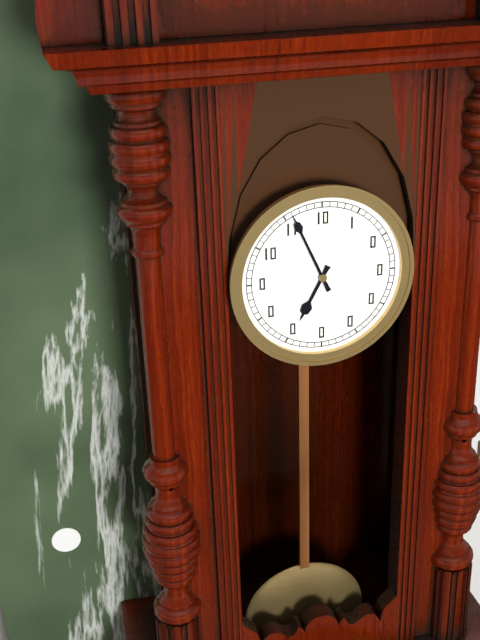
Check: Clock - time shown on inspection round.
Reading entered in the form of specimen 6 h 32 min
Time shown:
6 h 56 min
